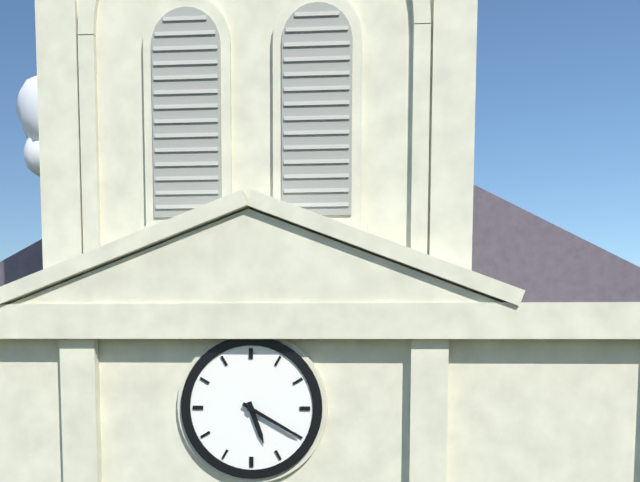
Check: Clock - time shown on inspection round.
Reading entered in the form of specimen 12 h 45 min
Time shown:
5 h 20 min
